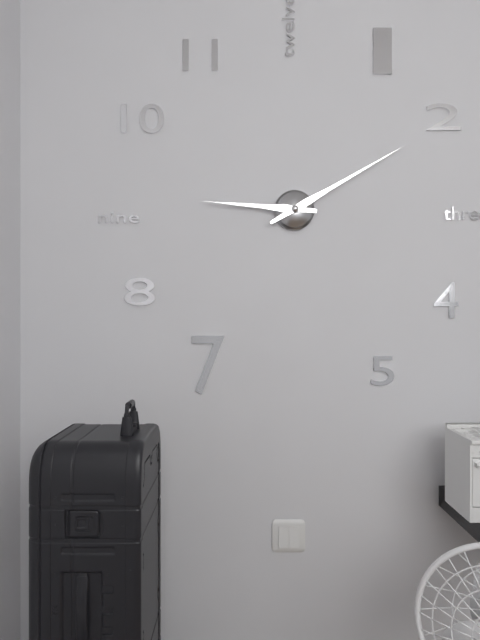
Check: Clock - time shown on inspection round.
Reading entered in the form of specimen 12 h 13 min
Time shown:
9 h 10 min
